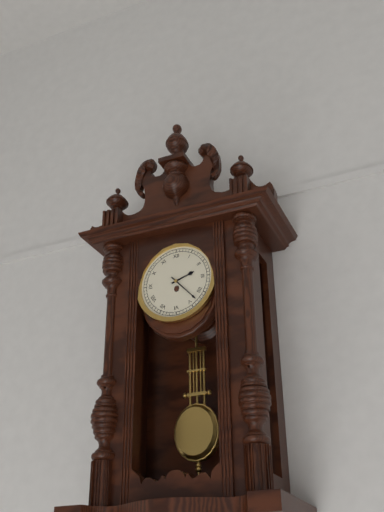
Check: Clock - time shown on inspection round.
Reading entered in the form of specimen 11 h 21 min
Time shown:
2 h 23 min
